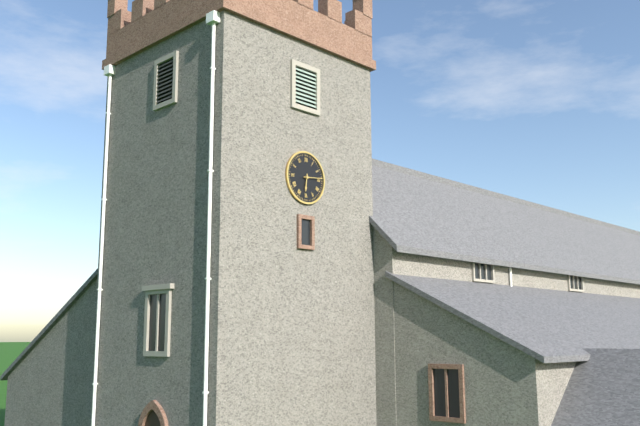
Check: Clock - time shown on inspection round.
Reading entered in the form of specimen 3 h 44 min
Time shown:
6 h 14 min
